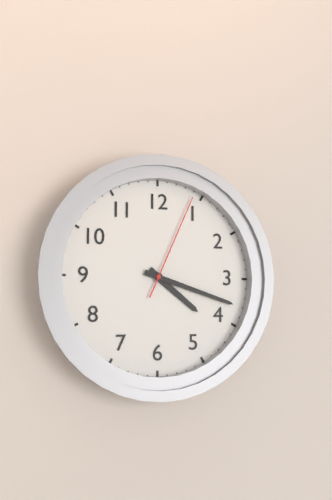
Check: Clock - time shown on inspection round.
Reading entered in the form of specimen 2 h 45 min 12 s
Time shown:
4 h 18 min 04 s
